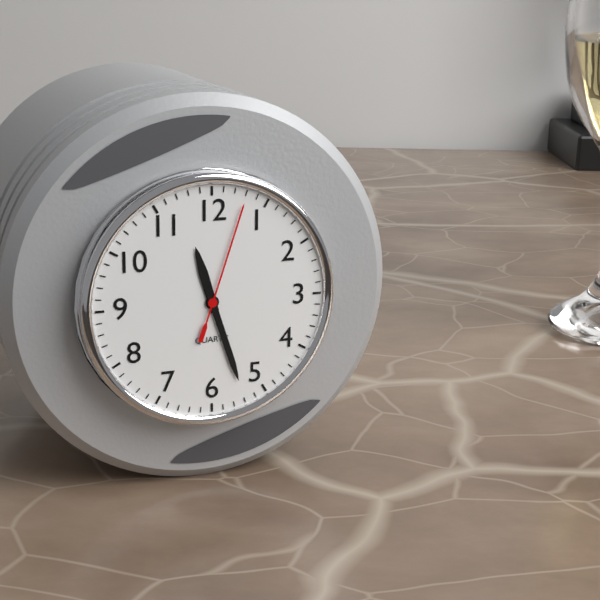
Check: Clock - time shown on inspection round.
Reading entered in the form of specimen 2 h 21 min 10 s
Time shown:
11 h 27 min 03 s
